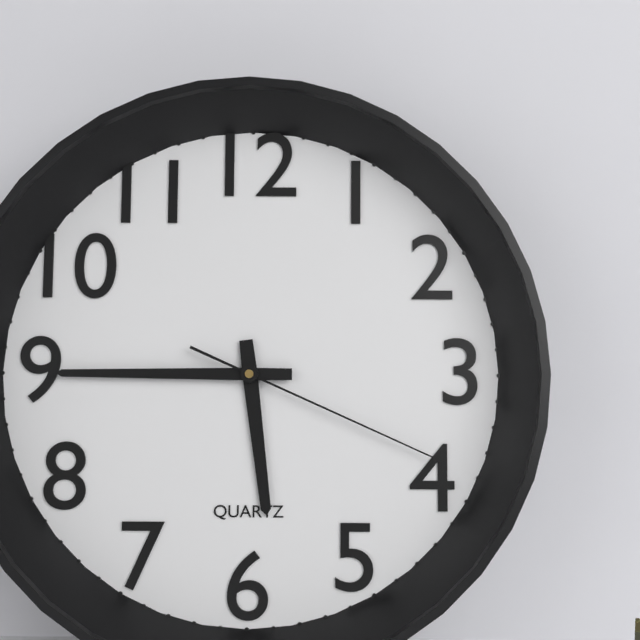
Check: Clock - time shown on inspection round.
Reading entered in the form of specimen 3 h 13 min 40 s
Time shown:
5 h 45 min 19 s
